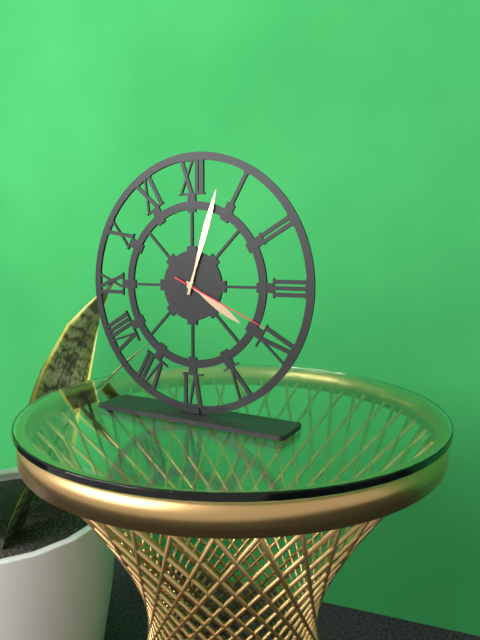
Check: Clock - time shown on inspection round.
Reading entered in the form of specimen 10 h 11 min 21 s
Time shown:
4 h 03 min 19 s
